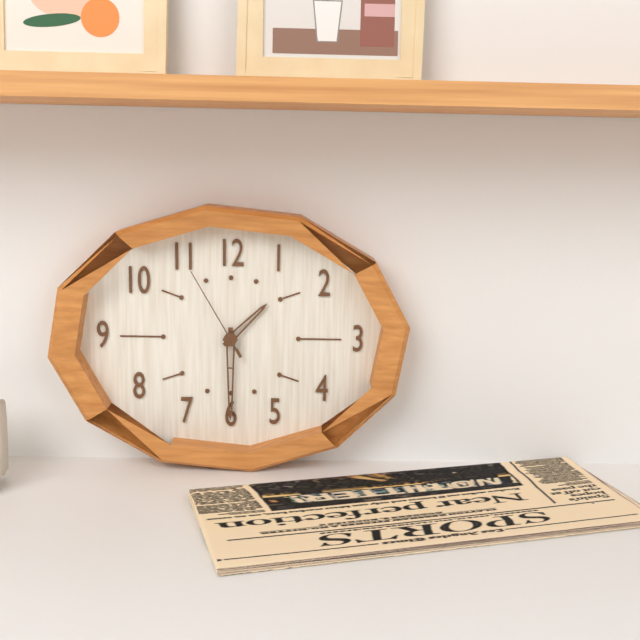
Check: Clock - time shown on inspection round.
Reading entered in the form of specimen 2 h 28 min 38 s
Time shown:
1 h 30 min 55 s
